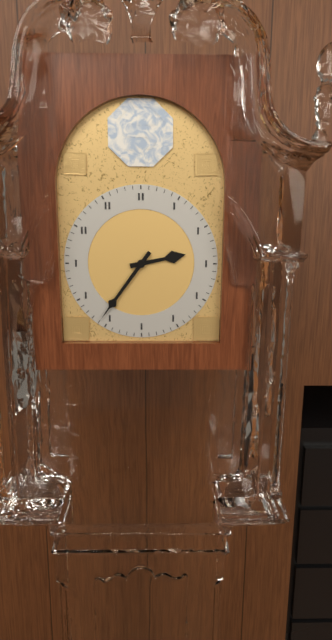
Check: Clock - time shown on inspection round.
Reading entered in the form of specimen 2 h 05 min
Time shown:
2 h 36 min
